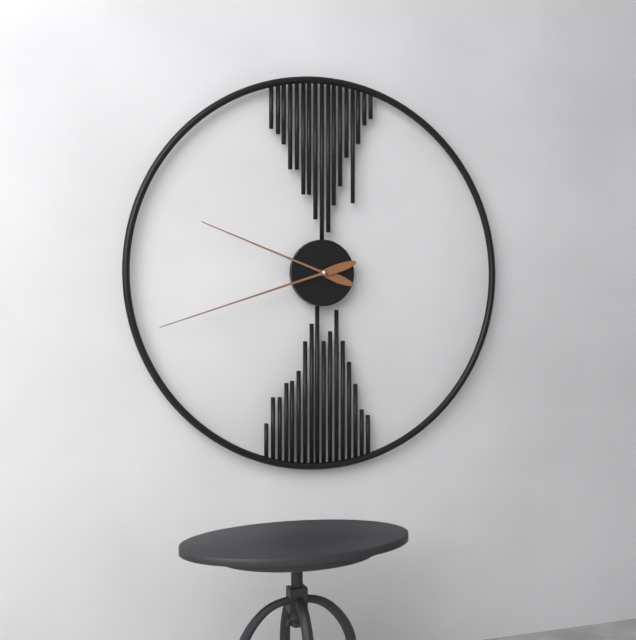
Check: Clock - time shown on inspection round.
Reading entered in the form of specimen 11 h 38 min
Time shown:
9 h 42 min
